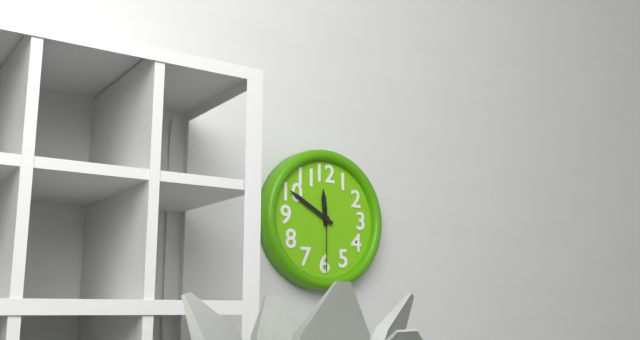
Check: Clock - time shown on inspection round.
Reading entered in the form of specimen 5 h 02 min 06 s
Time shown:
11 h 50 min 30 s
